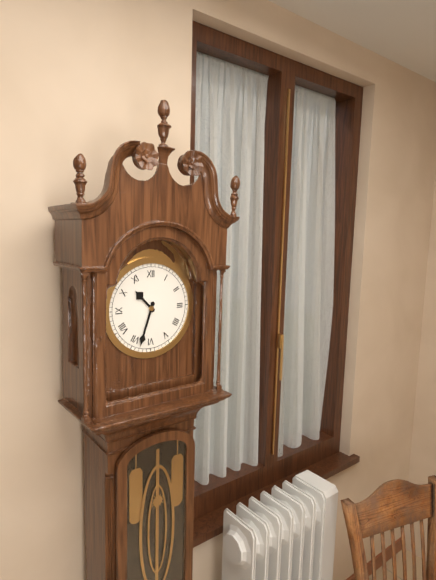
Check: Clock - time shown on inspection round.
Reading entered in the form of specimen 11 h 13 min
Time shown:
10 h 33 min
